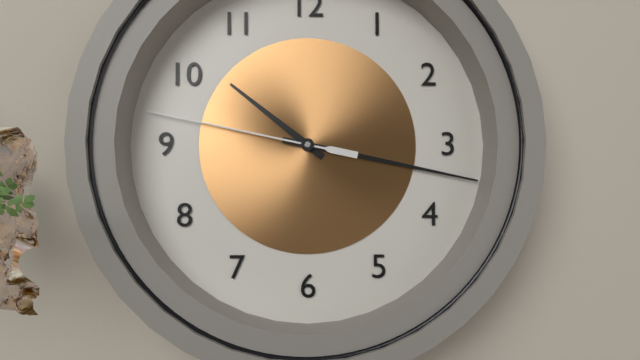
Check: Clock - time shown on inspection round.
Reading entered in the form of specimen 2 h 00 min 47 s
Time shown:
10 h 17 min 47 s
